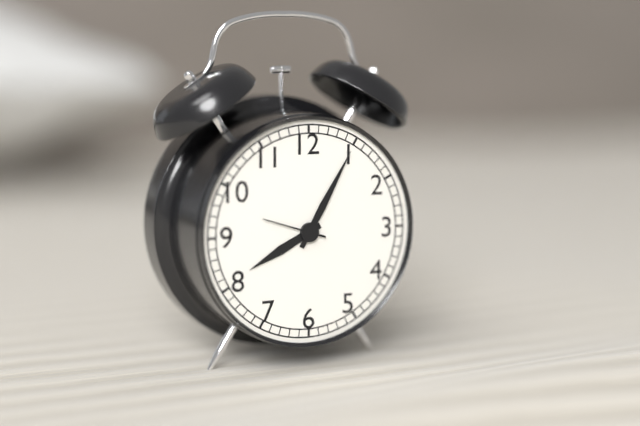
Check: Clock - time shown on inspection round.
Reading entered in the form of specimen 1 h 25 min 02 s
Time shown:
8 h 05 min 48 s
